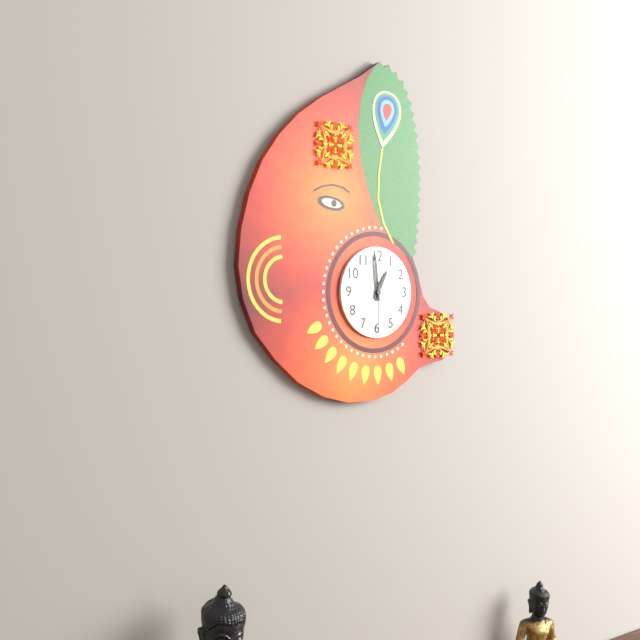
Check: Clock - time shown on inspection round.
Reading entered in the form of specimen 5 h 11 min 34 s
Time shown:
12 h 59 min 30 s
